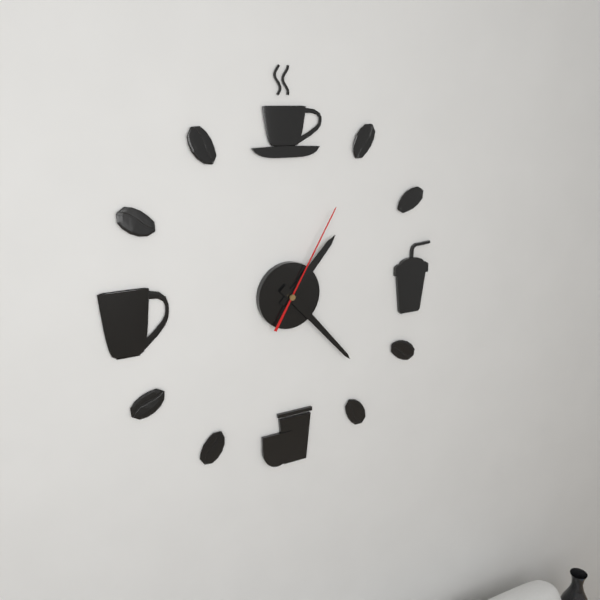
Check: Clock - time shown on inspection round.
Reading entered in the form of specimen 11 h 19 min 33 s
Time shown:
1 h 23 min 05 s
